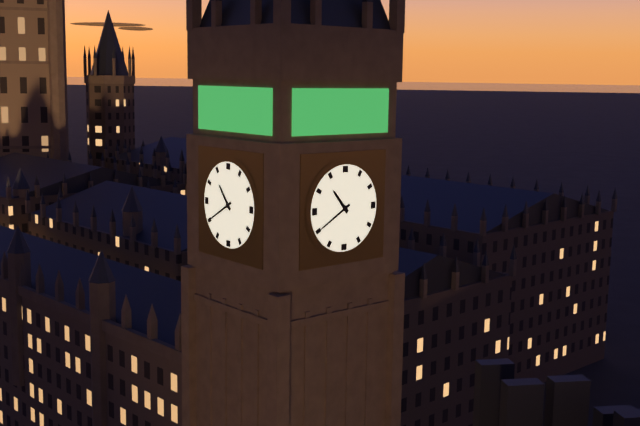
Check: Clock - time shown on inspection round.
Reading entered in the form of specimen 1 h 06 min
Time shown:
10 h 40 min
